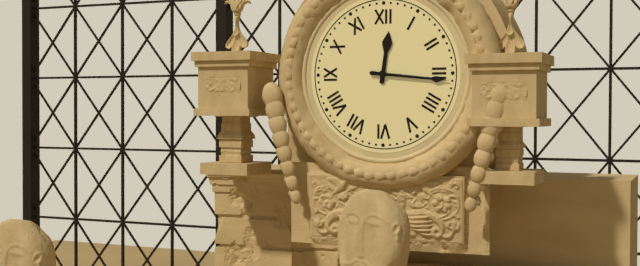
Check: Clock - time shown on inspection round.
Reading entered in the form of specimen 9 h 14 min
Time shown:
12 h 16 min
